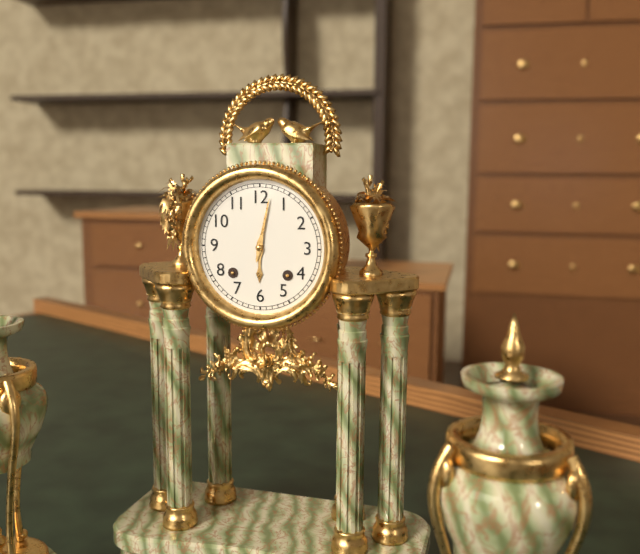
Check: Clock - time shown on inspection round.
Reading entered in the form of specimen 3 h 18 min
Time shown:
6 h 02 min
